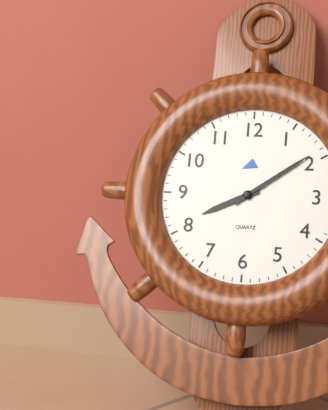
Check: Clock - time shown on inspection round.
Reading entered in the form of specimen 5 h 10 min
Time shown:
8 h 09 min
